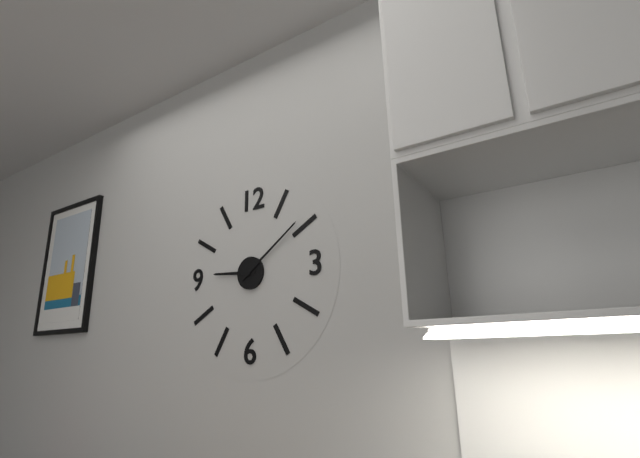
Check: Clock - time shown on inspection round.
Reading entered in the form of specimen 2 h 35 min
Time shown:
9 h 09 min
